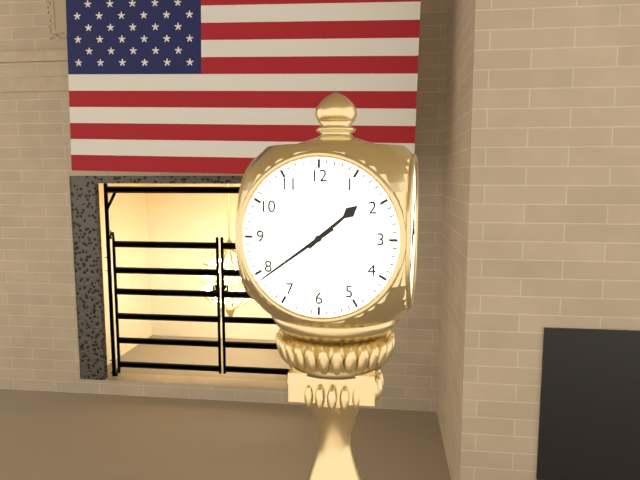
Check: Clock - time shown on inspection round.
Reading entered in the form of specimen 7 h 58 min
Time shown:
1 h 39 min
